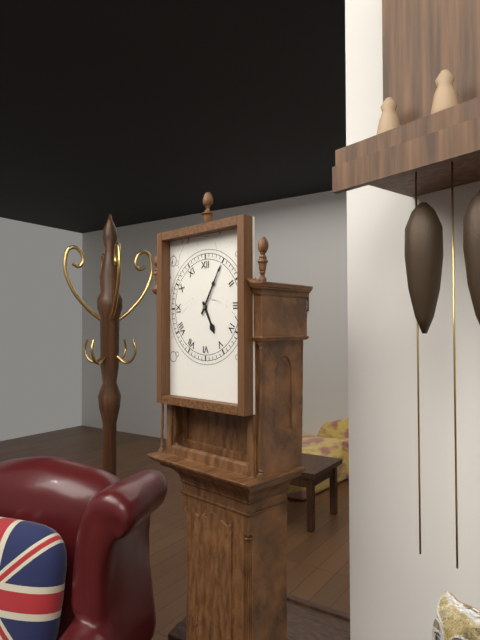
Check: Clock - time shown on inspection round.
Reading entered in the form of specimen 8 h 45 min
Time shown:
5 h 05 min
